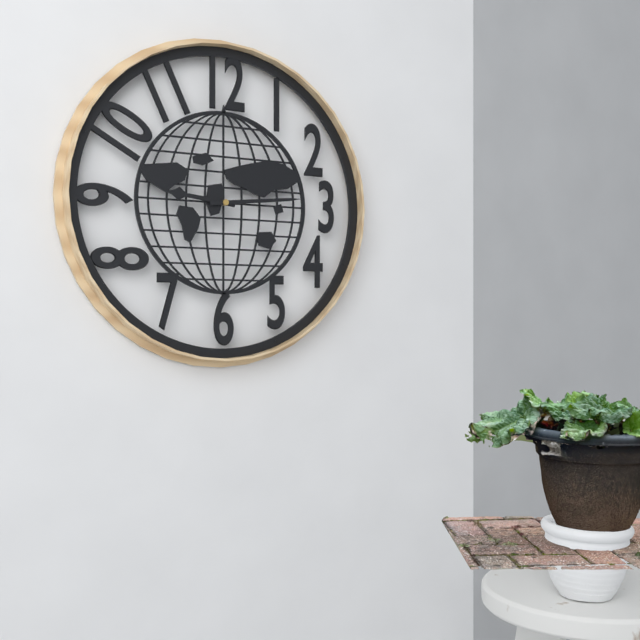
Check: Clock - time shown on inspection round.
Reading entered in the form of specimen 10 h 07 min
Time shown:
9 h 14 min
